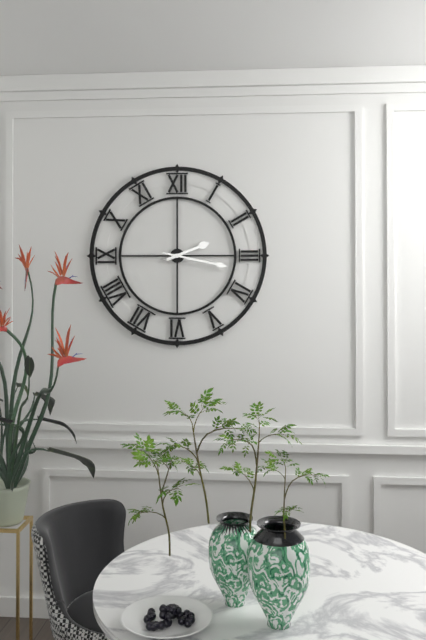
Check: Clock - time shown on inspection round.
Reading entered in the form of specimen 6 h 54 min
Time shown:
2 h 17 min
